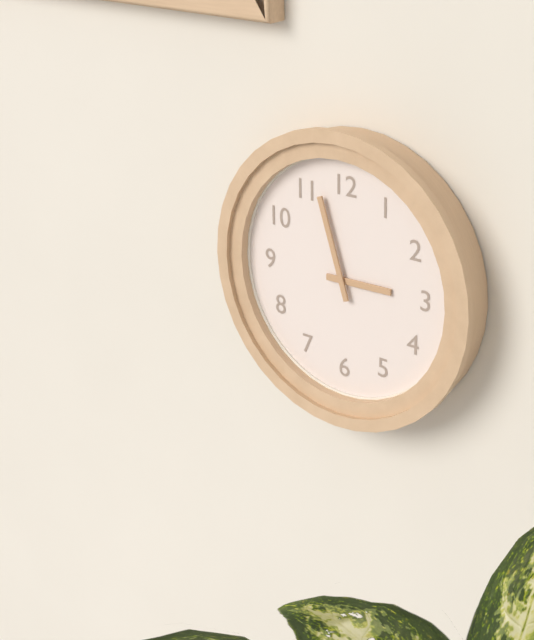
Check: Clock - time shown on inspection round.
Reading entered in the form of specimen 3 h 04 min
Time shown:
2 h 57 min
